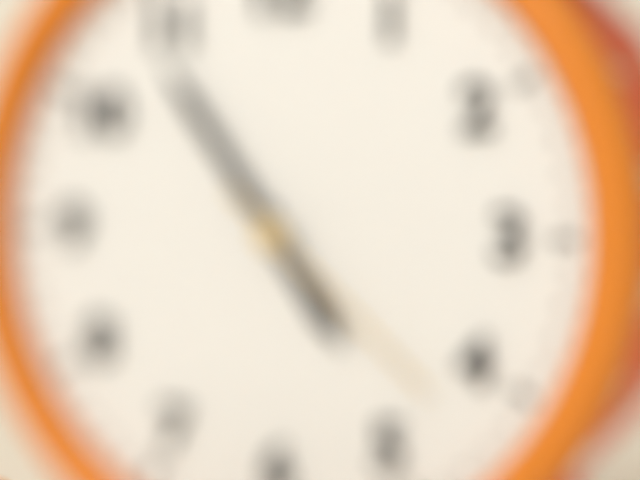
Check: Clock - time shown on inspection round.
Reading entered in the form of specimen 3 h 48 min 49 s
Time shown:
4 h 54 min 22 s
